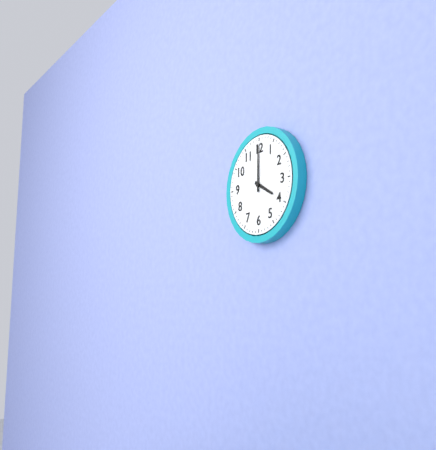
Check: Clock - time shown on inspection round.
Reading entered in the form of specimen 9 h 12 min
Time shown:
4 h 00 min
